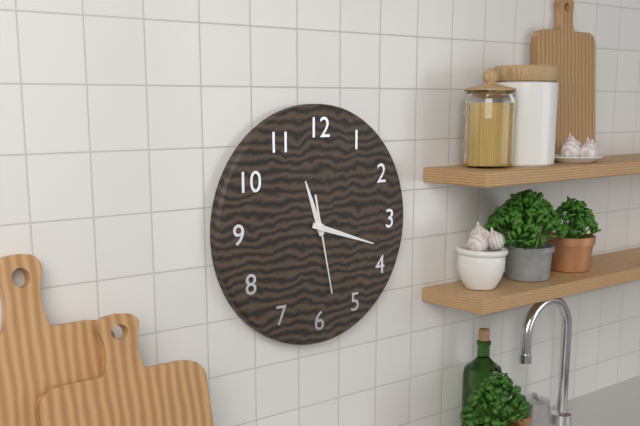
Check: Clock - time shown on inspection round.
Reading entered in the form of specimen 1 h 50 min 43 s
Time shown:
11 h 18 min 28 s
